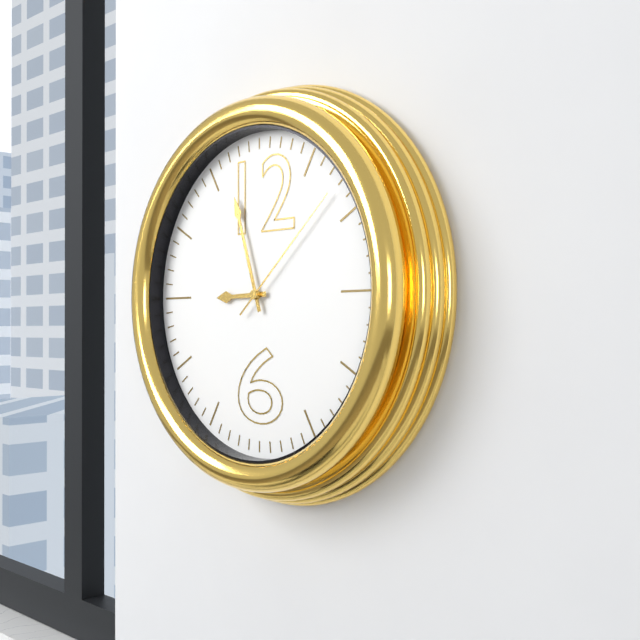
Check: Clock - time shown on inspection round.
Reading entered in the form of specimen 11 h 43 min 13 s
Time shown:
8 h 57 min 08 s
